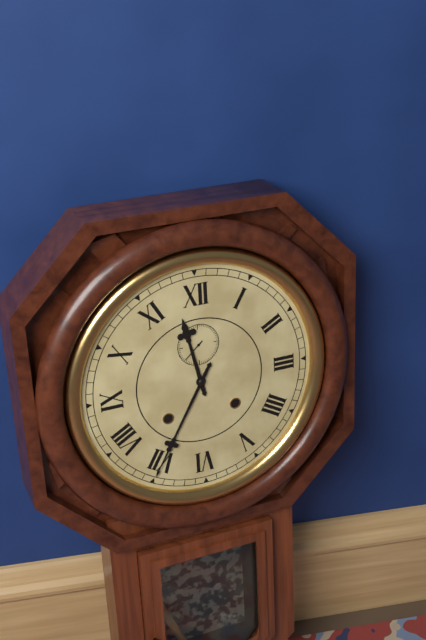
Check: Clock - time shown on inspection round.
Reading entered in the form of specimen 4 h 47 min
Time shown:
11 h 35 min
